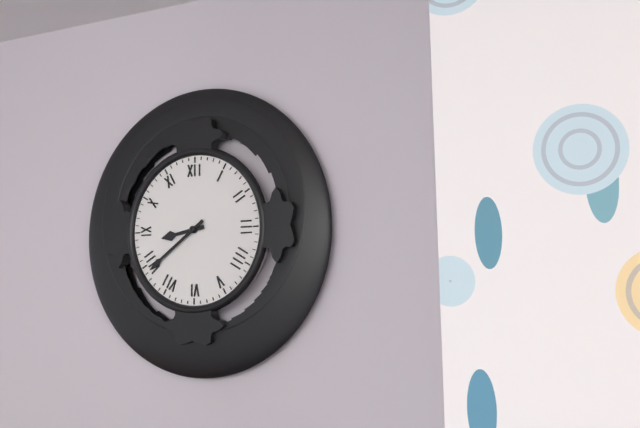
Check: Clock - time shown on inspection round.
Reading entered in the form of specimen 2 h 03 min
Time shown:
8 h 39 min
